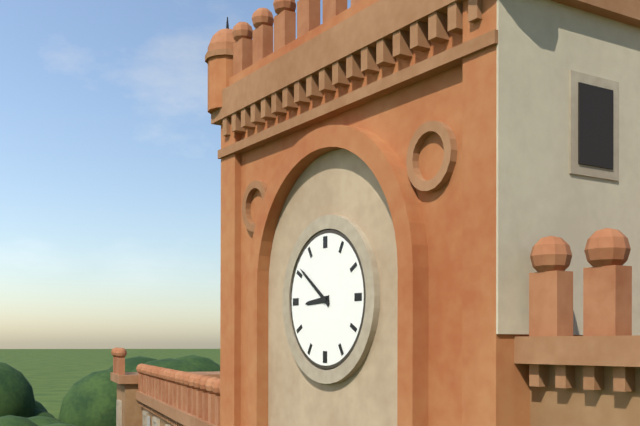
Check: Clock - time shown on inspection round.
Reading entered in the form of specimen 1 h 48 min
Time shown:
8 h 51 min
